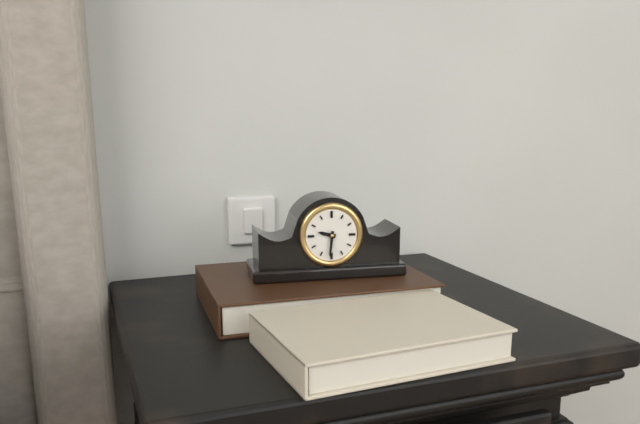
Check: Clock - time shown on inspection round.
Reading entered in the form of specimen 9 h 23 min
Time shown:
9 h 31 min
